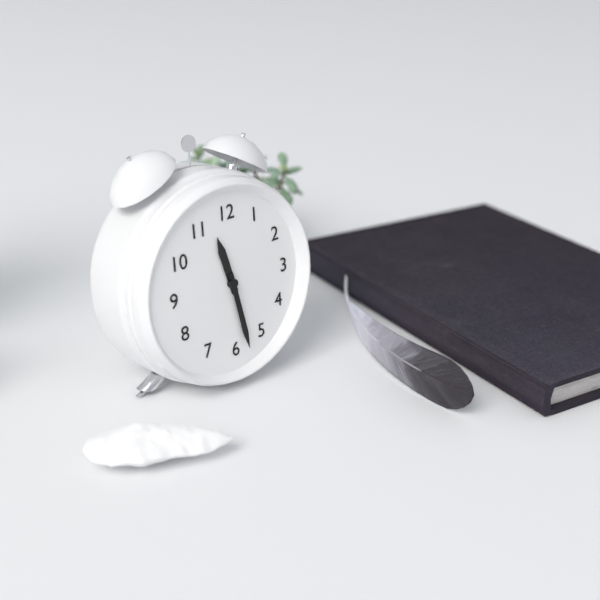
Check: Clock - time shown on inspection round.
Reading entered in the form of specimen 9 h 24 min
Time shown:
11 h 28 min
